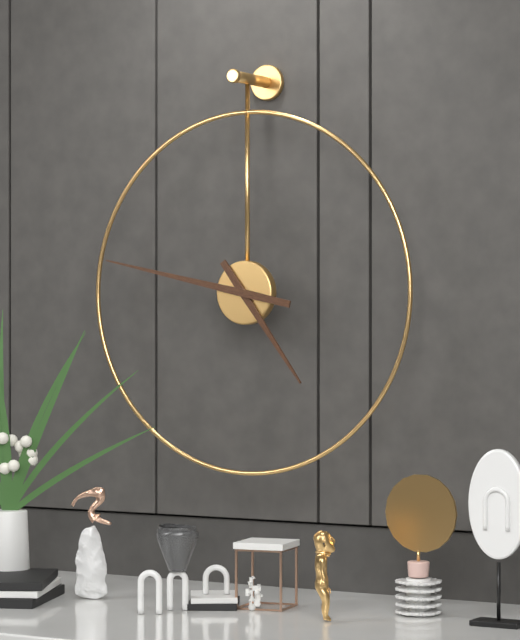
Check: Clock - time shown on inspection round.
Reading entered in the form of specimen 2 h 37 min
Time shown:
4 h 47 min
